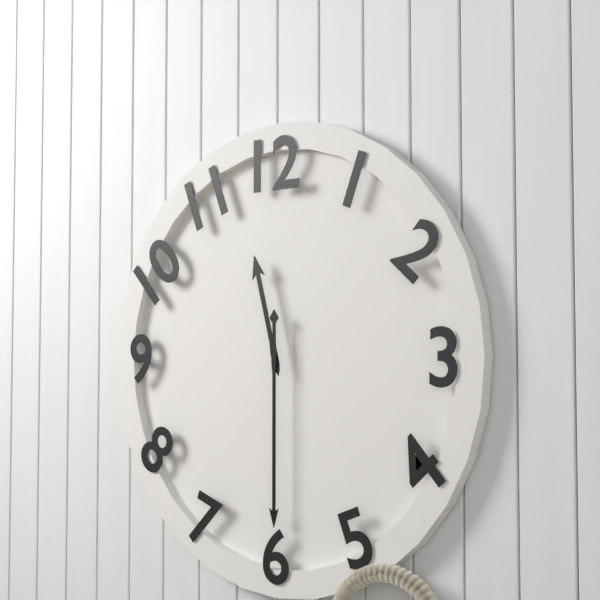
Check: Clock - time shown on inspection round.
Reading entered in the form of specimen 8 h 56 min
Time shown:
11 h 30 min
